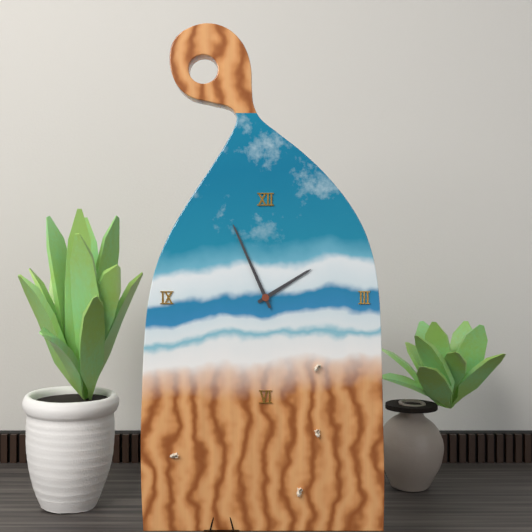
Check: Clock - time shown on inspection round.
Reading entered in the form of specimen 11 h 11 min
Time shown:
1 h 56 min
